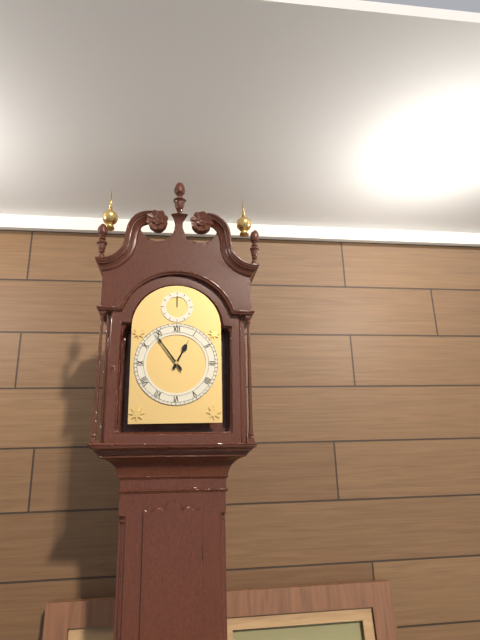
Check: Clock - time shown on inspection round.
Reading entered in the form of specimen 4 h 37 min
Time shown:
12 h 54 min
